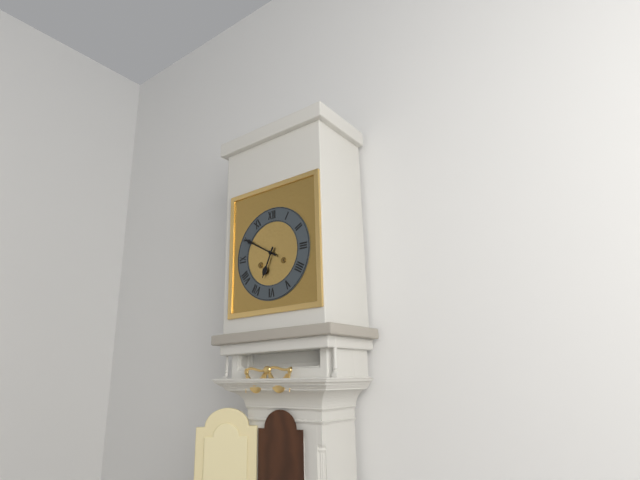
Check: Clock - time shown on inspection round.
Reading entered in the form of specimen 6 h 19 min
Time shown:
6 h 50 min
